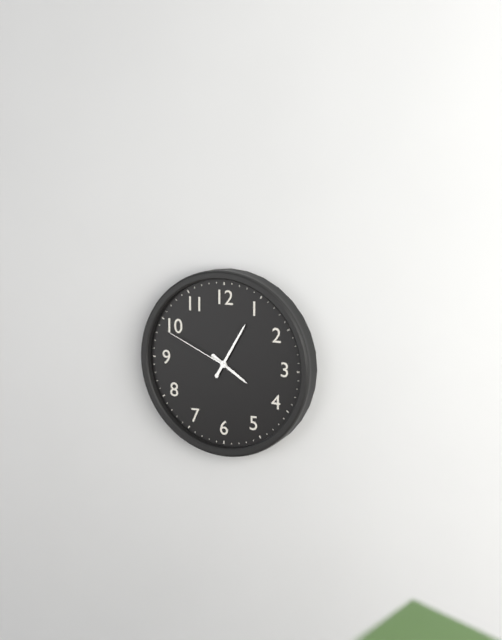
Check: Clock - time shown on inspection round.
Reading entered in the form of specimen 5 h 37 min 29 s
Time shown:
4 h 05 min 49 s
